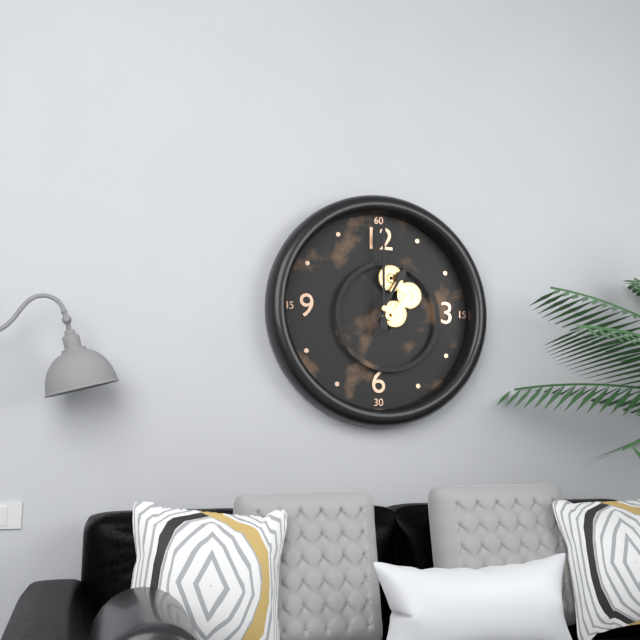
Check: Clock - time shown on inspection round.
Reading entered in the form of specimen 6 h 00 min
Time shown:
1 h 00 min
